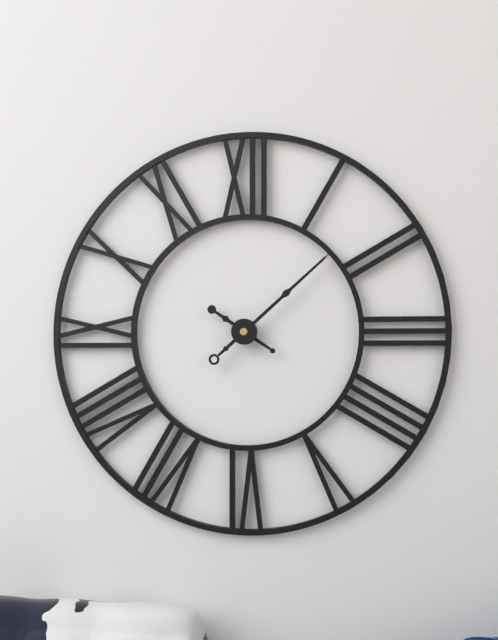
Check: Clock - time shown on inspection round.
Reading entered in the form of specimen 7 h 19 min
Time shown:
10 h 08 min
